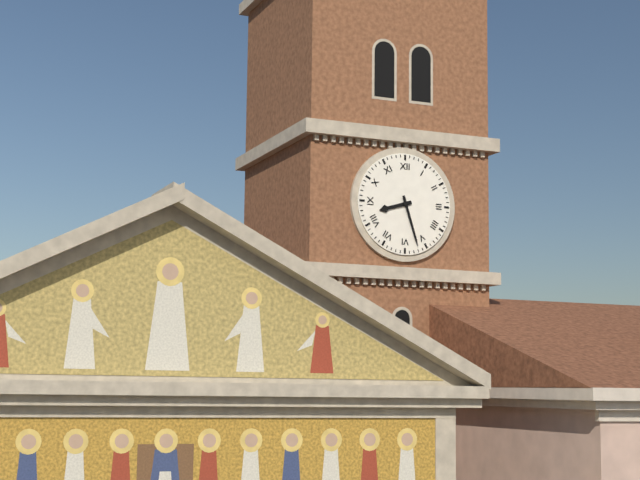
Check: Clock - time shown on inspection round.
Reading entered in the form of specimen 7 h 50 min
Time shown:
8 h 27 min
